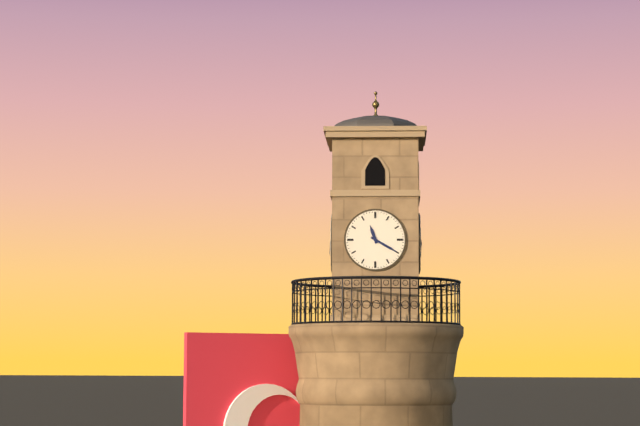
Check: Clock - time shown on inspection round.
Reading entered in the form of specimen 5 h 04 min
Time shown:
11 h 20 min
